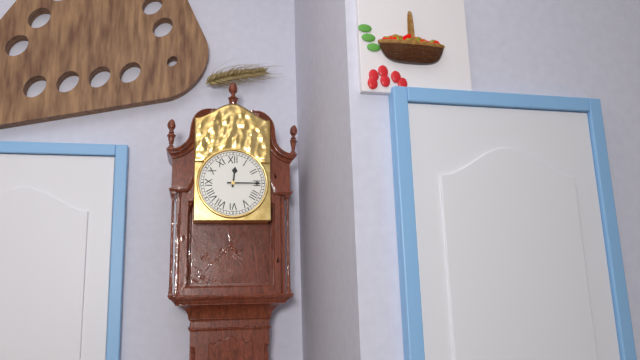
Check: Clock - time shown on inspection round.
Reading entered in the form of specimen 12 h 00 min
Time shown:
12 h 15 min
